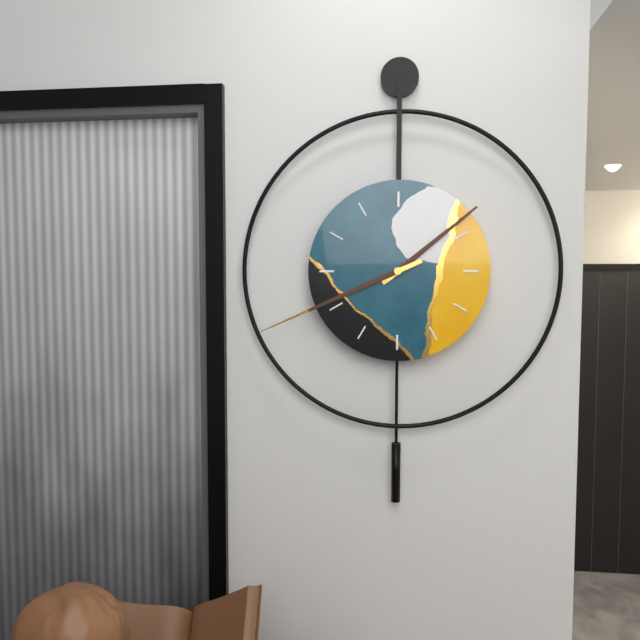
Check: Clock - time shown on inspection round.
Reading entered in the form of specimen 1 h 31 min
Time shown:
1 h 41 min
